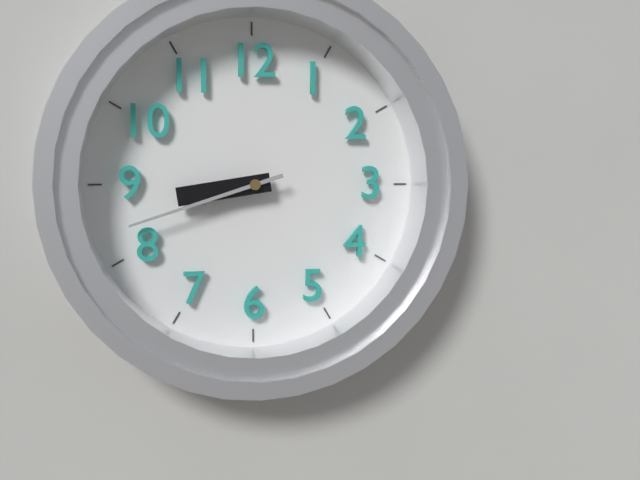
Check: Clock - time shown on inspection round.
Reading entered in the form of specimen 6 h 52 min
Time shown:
8 h 42 min
